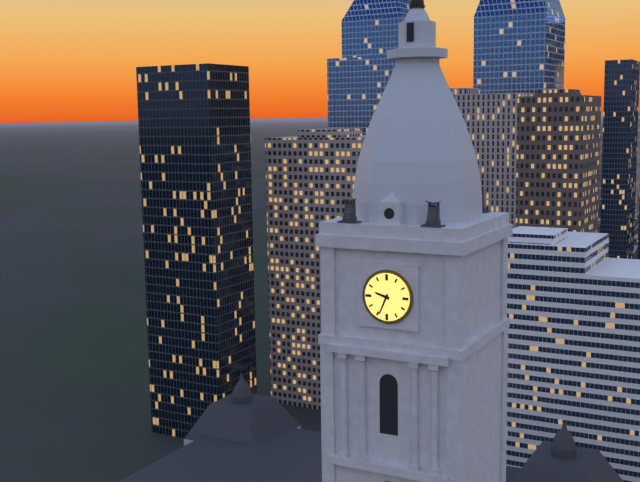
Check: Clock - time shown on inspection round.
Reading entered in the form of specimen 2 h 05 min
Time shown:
9 h 34 min
